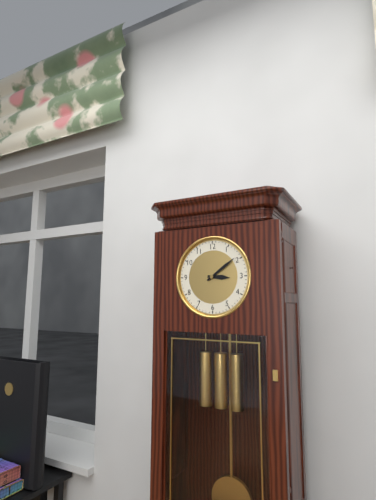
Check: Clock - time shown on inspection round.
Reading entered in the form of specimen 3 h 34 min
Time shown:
3 h 09 min
